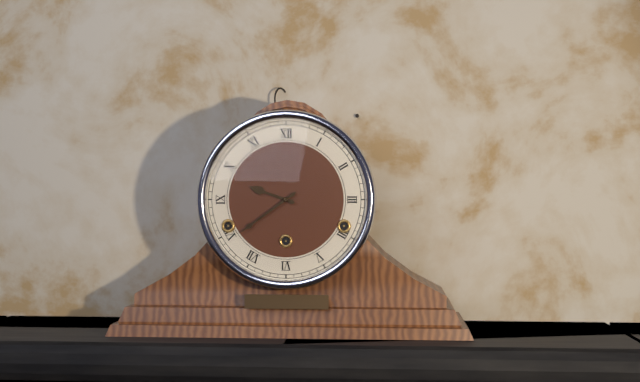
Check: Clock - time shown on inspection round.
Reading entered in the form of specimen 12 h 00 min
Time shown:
9 h 39 min
